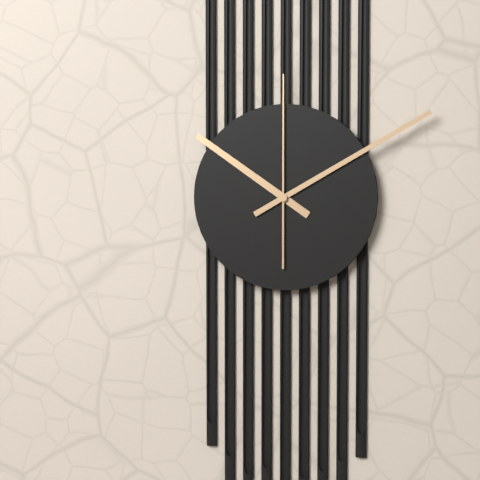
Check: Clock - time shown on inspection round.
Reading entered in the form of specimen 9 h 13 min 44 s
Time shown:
10 h 10 min 00 s
